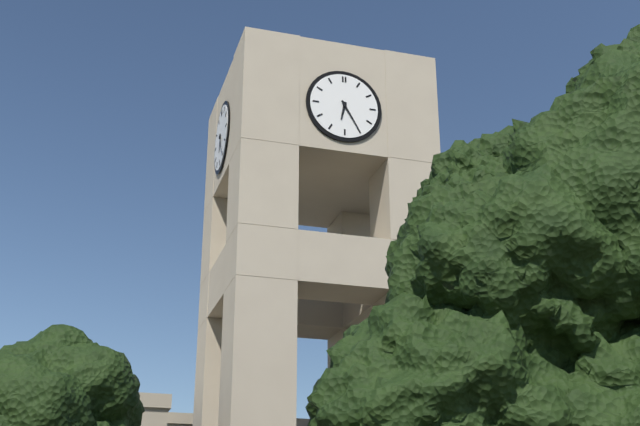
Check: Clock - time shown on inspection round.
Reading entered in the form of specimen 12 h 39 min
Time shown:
6 h 25 min
